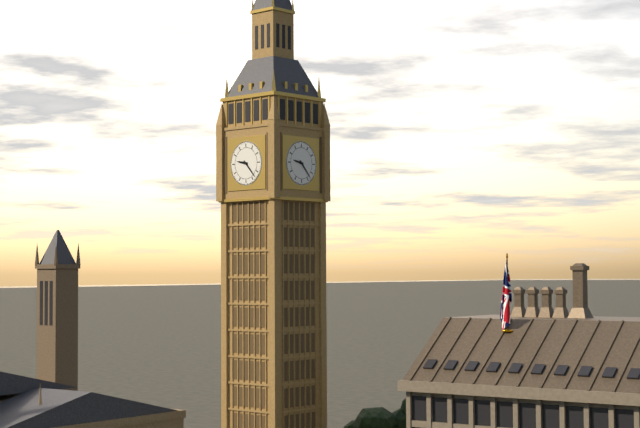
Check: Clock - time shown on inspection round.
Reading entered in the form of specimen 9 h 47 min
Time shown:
9 h 23 min
